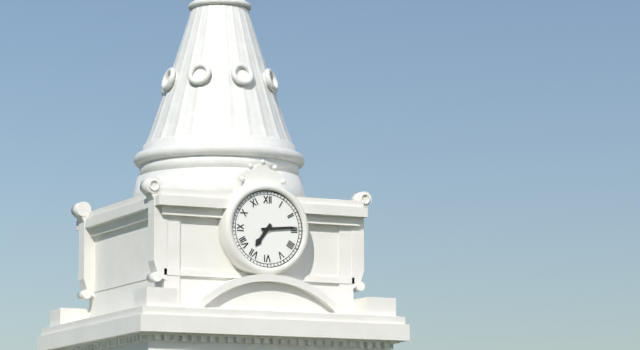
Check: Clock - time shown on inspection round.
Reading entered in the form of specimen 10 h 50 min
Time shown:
7 h 14 min
